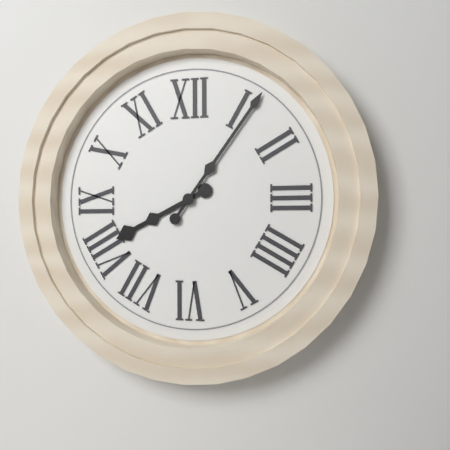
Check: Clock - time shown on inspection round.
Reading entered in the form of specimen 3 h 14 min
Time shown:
8 h 06 min
